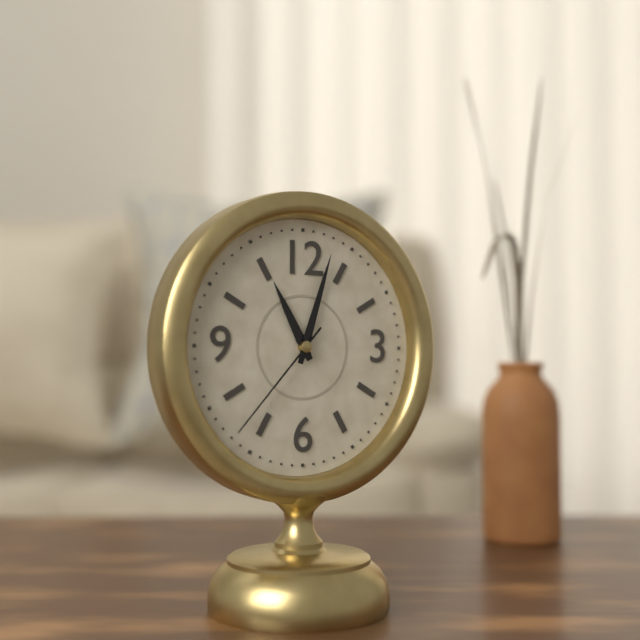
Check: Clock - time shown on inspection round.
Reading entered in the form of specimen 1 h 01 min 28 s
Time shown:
11 h 03 min 37 s
